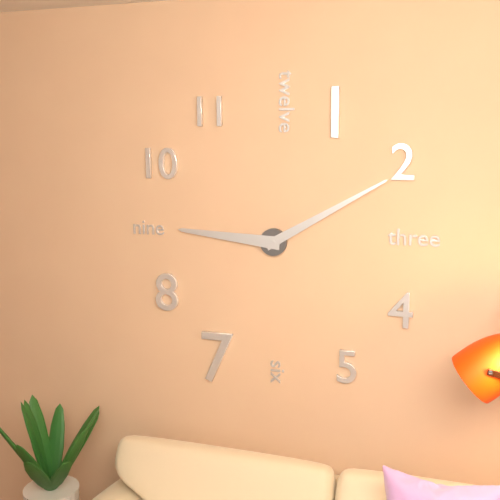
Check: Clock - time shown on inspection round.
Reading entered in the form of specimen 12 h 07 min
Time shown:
9 h 10 min
